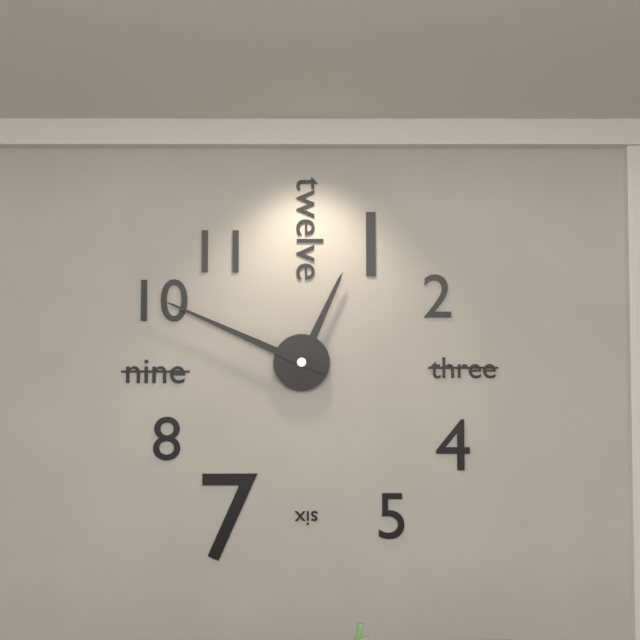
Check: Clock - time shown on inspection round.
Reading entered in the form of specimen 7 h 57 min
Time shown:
12 h 49 min
